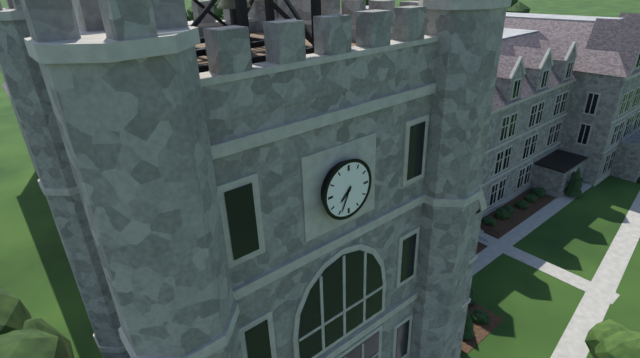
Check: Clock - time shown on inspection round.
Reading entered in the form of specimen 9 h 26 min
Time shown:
7 h 34 min
